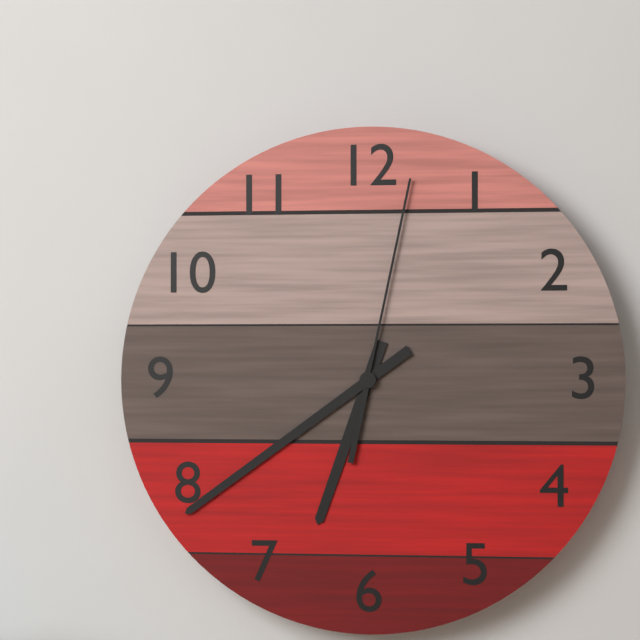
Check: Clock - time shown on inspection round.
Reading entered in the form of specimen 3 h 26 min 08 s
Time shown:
6 h 39 min 02 s
